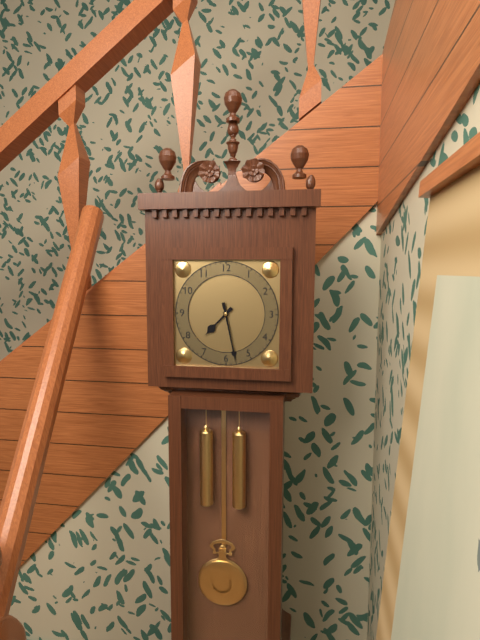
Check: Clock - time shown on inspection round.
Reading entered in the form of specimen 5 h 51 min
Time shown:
7 h 28 min
